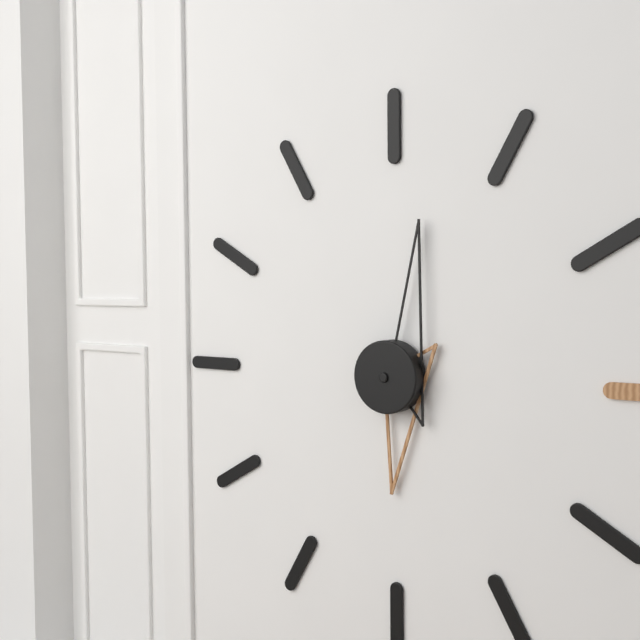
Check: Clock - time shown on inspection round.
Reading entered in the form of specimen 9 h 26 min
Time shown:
6 h 02 min
